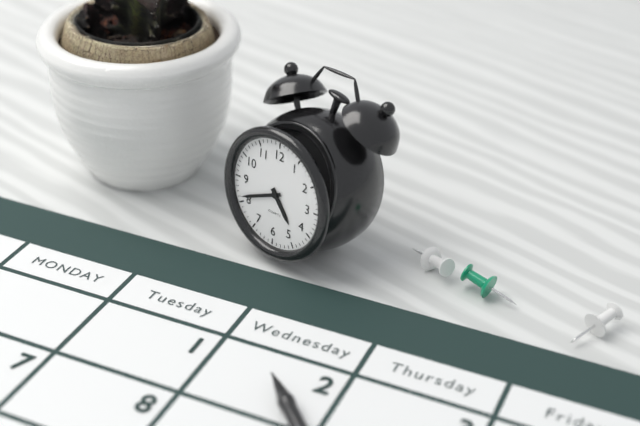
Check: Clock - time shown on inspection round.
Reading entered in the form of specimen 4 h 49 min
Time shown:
4 h 41 min
